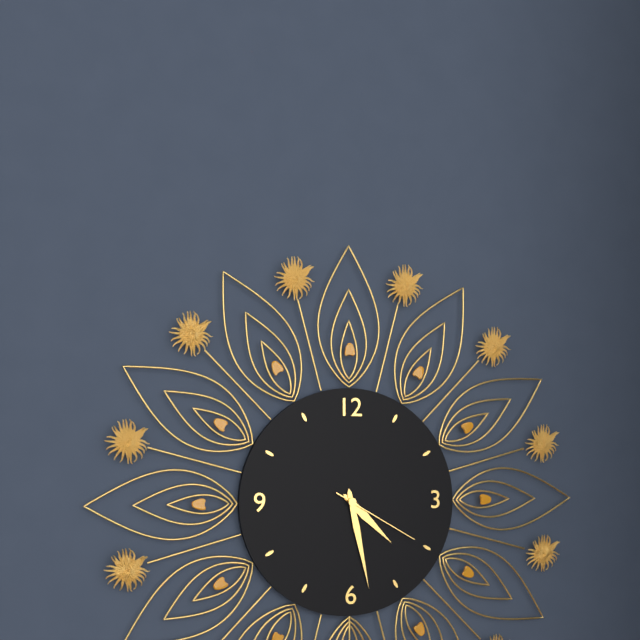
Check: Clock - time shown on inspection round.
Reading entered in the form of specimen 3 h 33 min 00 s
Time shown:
4 h 28 min 20 s
